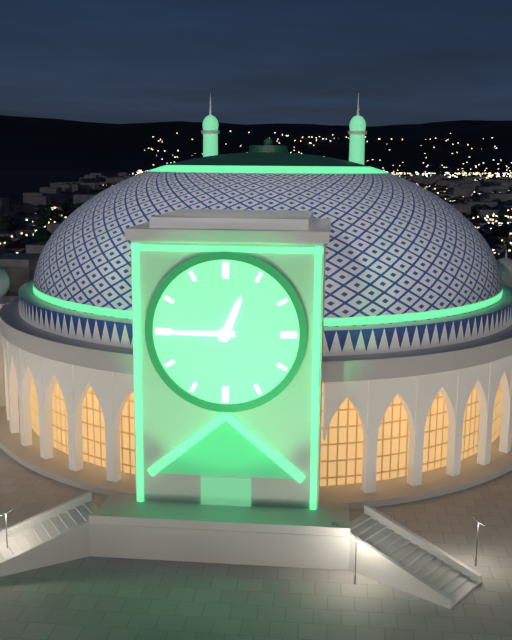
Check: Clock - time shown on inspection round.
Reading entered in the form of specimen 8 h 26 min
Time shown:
12 h 45 min
